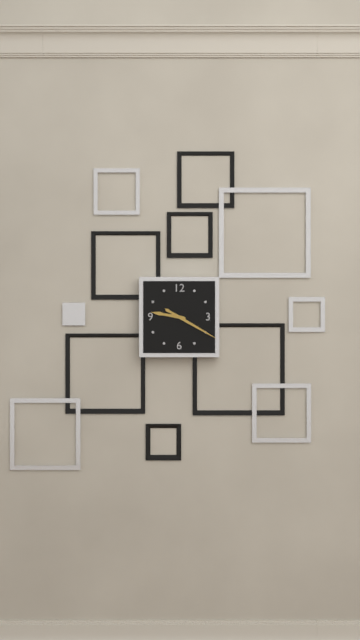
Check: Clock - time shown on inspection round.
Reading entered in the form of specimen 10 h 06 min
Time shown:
9 h 20 min
